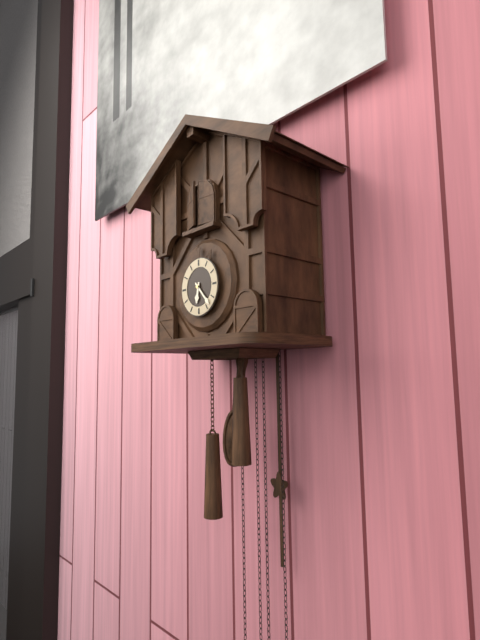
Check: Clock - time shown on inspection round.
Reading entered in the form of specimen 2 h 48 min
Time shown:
6 h 23 min
